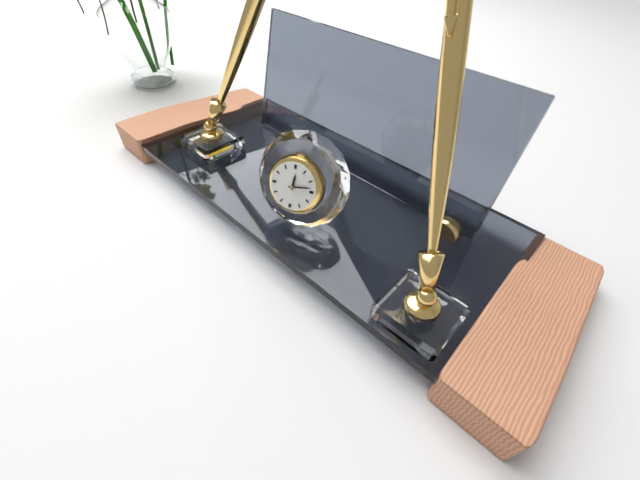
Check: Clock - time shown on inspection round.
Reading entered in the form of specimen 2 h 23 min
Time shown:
12 h 13 min
